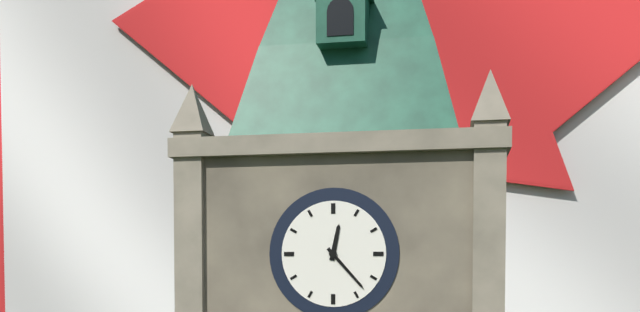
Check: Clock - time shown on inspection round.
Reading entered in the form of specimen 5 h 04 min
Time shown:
12 h 23 min
